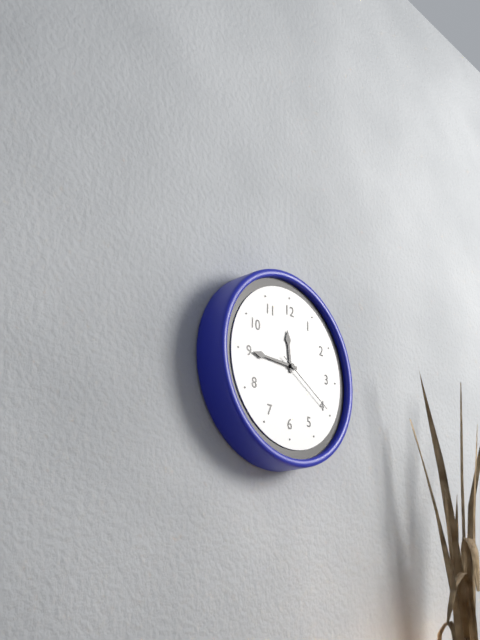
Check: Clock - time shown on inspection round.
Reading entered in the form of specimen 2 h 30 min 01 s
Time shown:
11 h 45 min 20 s
